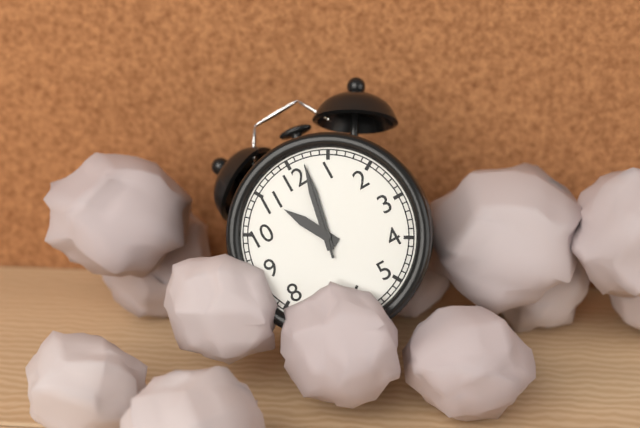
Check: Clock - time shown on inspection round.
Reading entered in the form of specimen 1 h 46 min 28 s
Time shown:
11 h 02 min 02 s
